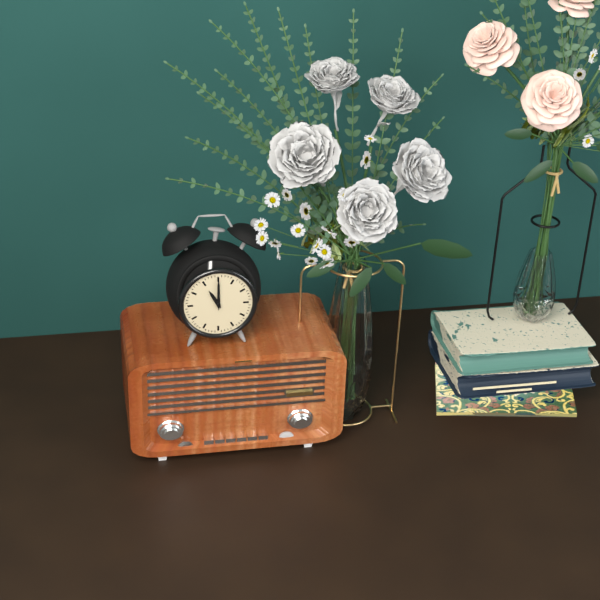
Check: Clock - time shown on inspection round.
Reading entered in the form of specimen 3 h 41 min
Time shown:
11 h 00 min
